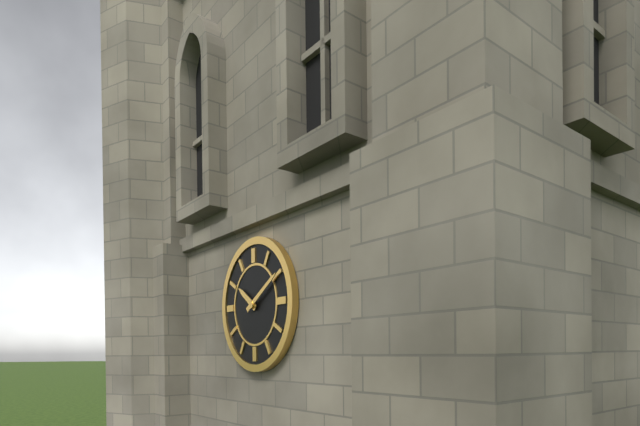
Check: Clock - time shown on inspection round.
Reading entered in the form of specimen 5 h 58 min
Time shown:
10 h 10 min
